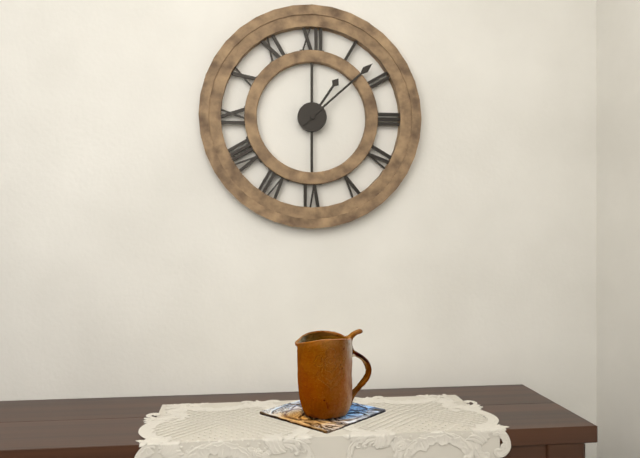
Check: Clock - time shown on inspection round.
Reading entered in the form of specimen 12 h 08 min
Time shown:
1 h 08 min
